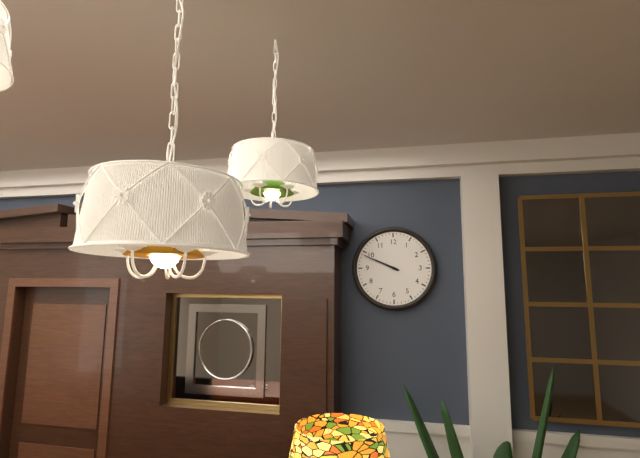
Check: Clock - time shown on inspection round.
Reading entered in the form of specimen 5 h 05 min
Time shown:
9 h 49 min
